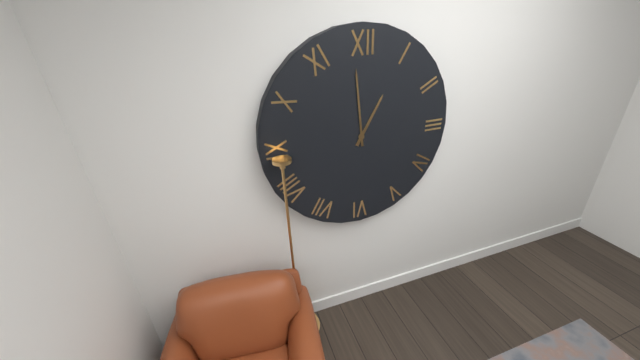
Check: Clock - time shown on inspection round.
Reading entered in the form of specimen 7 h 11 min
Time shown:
12 h 59 min
